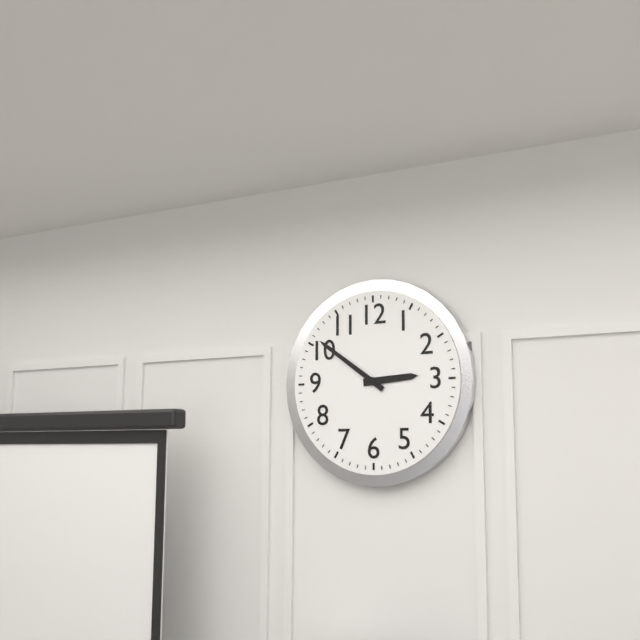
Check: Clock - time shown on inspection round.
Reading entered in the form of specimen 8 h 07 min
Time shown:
2 h 51 min
